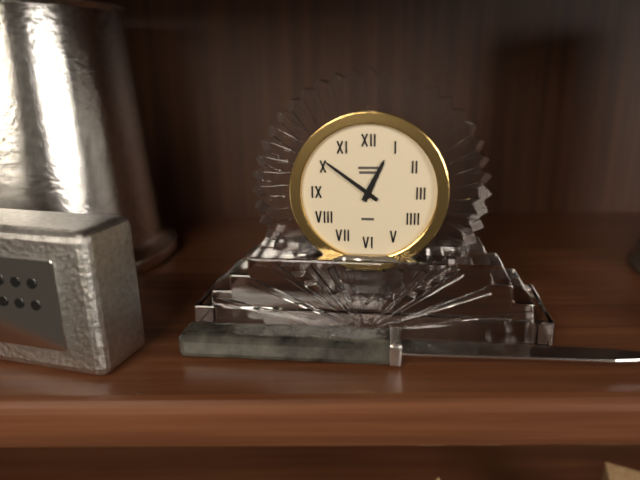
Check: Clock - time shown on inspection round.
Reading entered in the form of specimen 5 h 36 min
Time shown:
12 h 51 min
